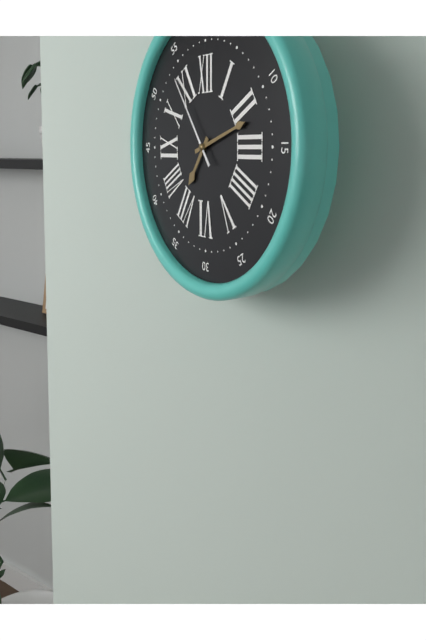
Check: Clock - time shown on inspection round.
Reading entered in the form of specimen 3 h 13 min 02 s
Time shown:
7 h 12 min 54 s
